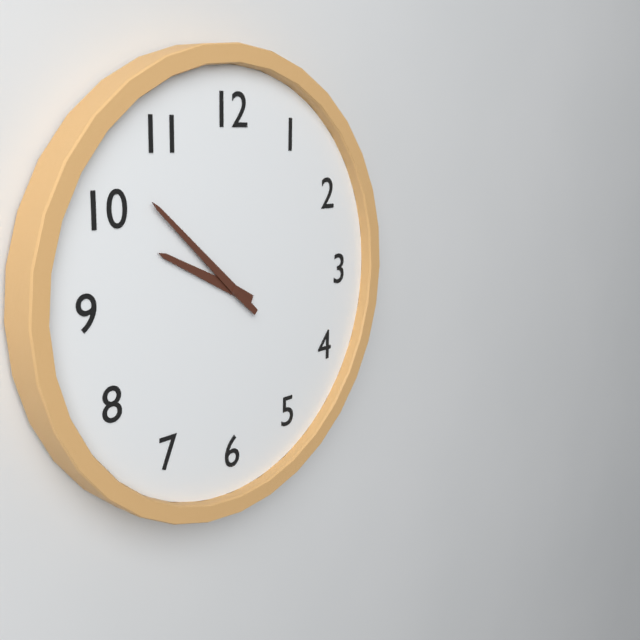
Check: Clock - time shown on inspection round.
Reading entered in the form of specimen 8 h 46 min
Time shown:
9 h 52 min
